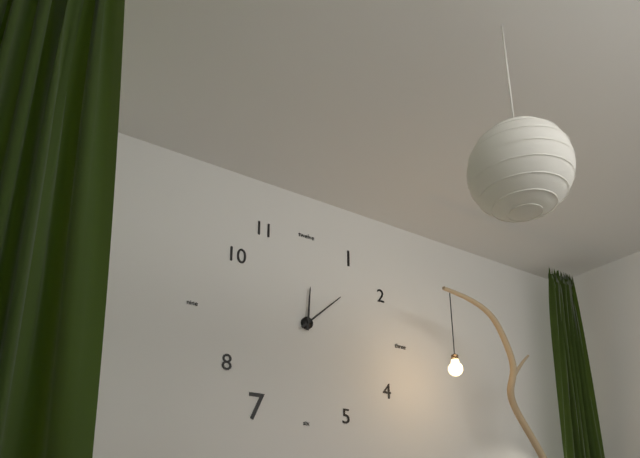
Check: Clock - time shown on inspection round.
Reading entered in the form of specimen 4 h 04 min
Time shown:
12 h 08 min
